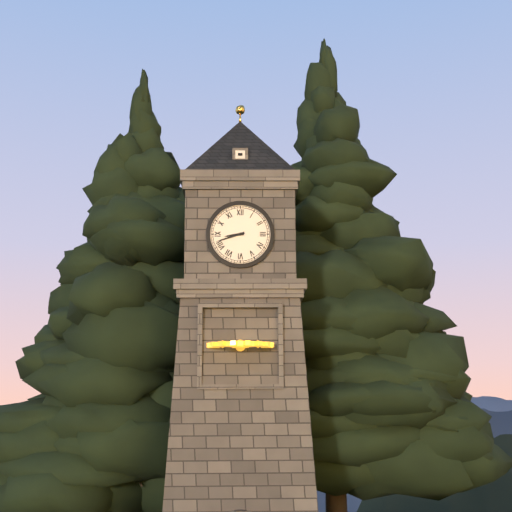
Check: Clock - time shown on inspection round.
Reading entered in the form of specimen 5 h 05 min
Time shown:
8 h 42 min
